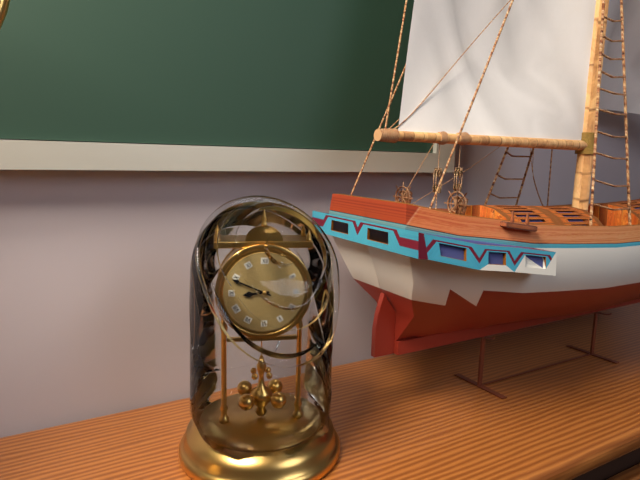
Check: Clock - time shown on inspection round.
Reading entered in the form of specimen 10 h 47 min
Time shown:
8 h 49 min
